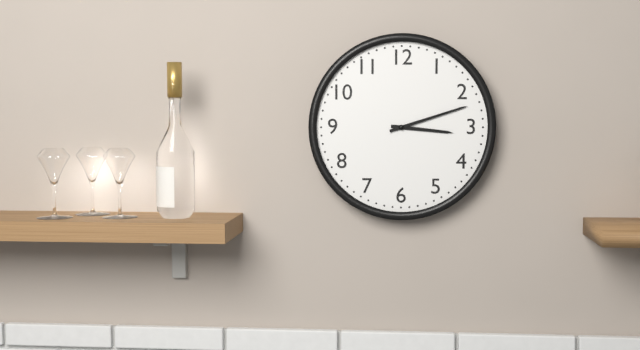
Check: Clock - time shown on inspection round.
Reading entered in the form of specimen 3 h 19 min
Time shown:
3 h 12 min
